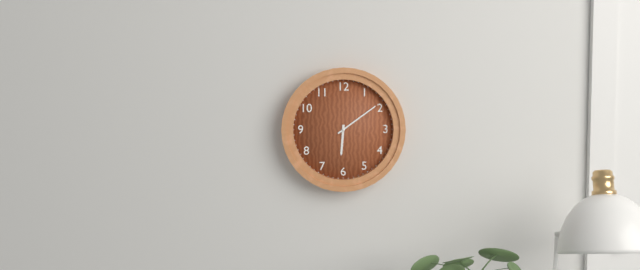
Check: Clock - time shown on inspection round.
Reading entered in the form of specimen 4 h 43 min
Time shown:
6 h 09 min
